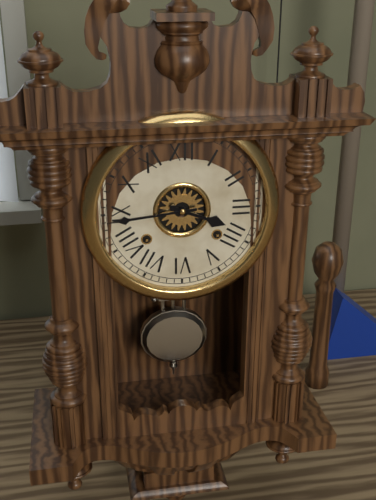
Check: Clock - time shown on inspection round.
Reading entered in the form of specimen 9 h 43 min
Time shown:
3 h 44 min
